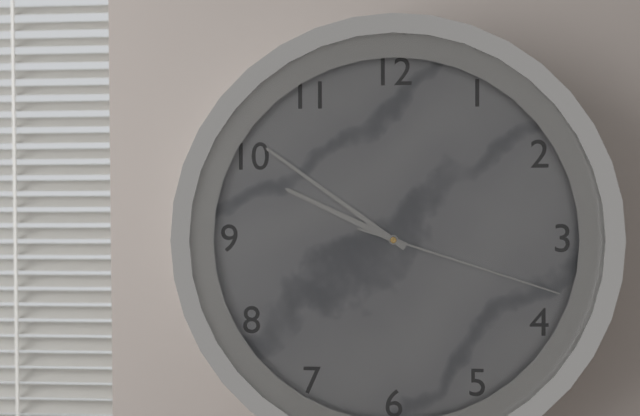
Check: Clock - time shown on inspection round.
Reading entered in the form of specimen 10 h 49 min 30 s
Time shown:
9 h 51 min 18 s
